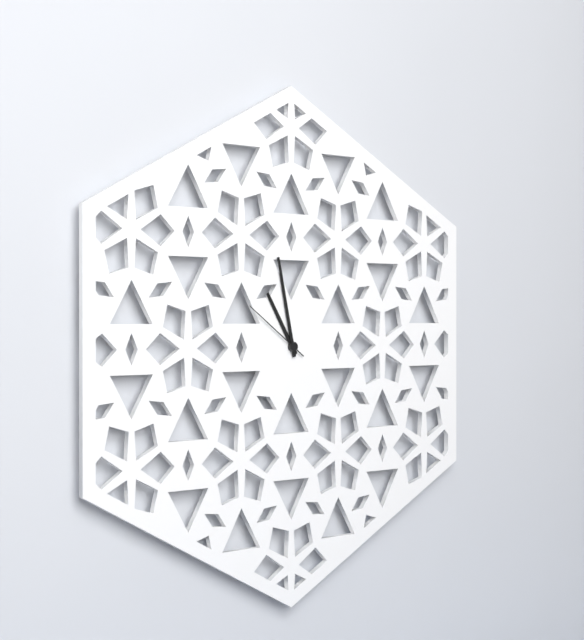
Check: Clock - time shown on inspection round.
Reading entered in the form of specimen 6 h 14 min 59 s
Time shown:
10 h 58 min 51 s
